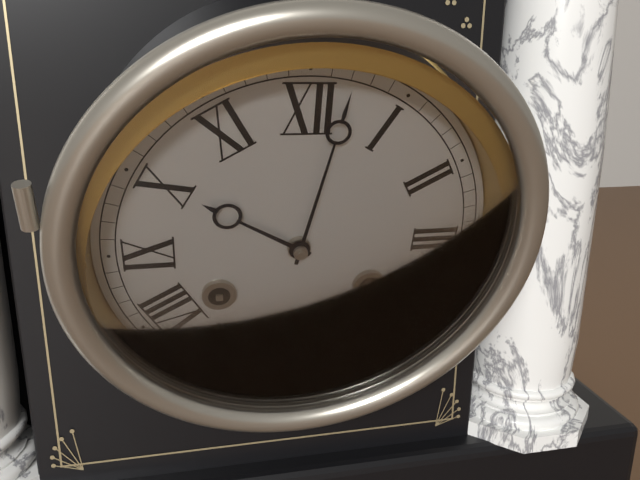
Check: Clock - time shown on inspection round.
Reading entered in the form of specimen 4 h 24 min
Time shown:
10 h 02 min
